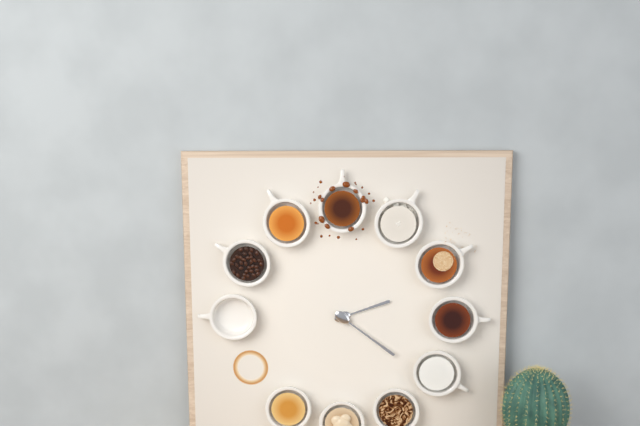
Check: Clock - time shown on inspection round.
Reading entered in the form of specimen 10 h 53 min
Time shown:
2 h 21 min
